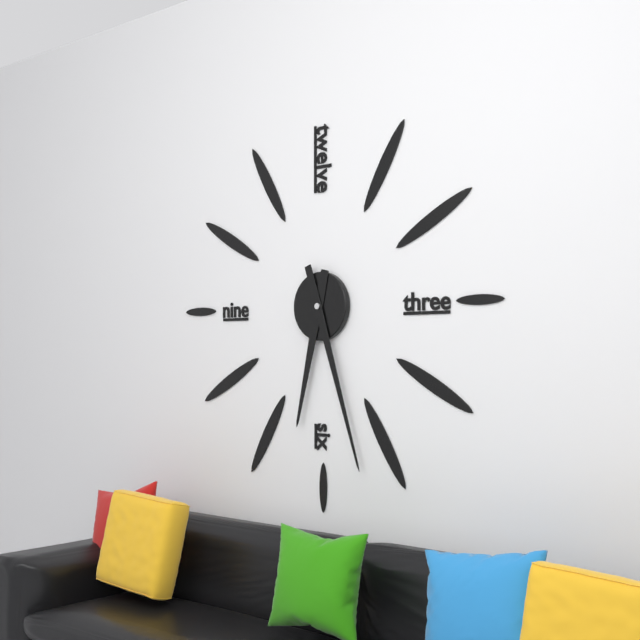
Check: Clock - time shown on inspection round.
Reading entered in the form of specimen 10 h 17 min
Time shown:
6 h 27 min
